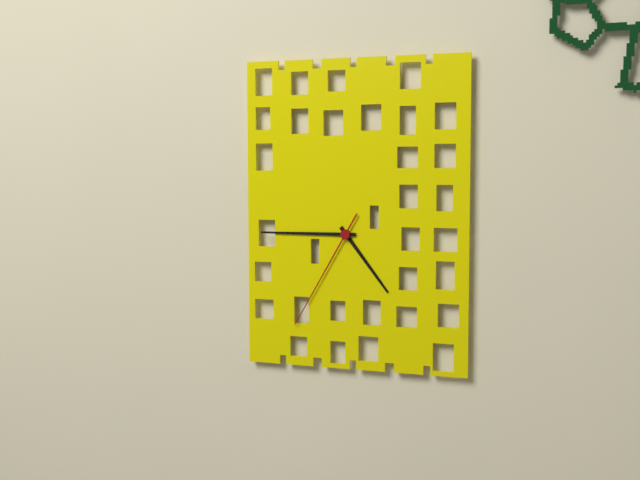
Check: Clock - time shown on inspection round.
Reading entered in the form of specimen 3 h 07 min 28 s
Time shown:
4 h 45 min 35 s
